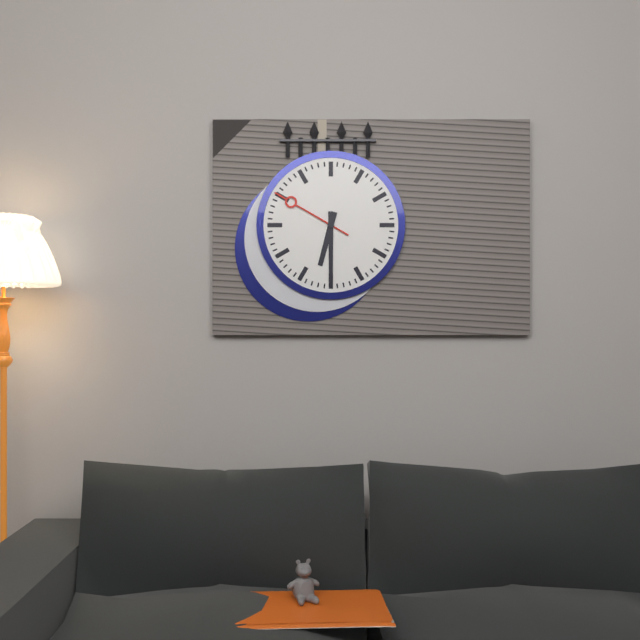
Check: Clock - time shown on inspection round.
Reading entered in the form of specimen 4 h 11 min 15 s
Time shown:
6 h 30 min 50 s
